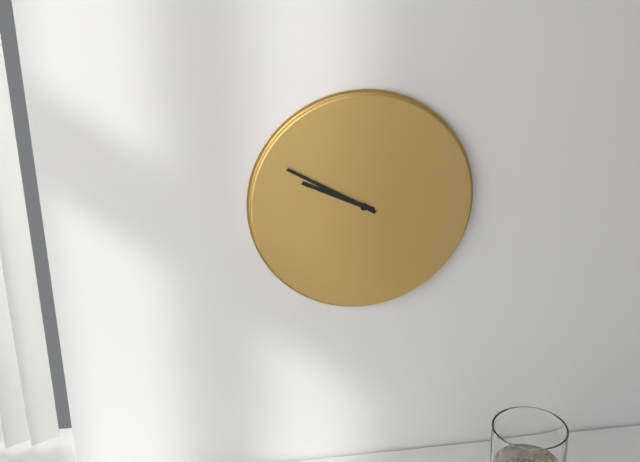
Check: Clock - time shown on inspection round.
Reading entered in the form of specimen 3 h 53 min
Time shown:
9 h 50 min
